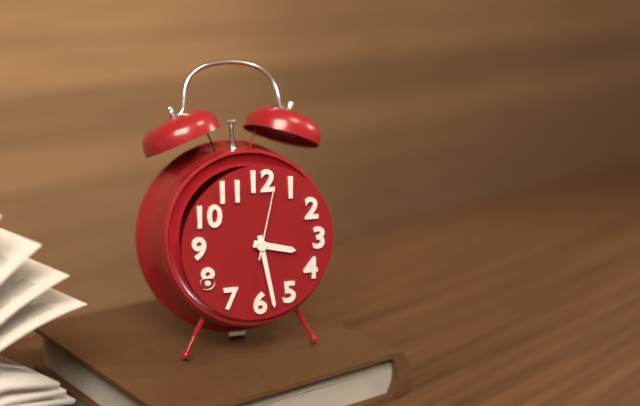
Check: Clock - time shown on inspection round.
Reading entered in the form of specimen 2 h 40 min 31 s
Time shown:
3 h 28 min 02 s
